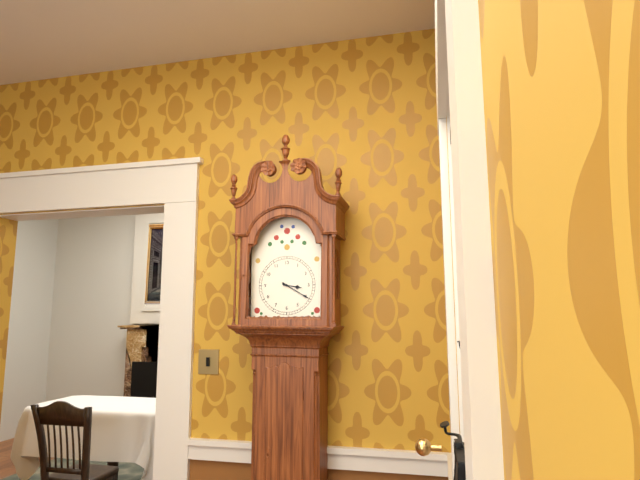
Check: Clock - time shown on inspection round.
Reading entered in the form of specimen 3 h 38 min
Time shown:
3 h 20 min
